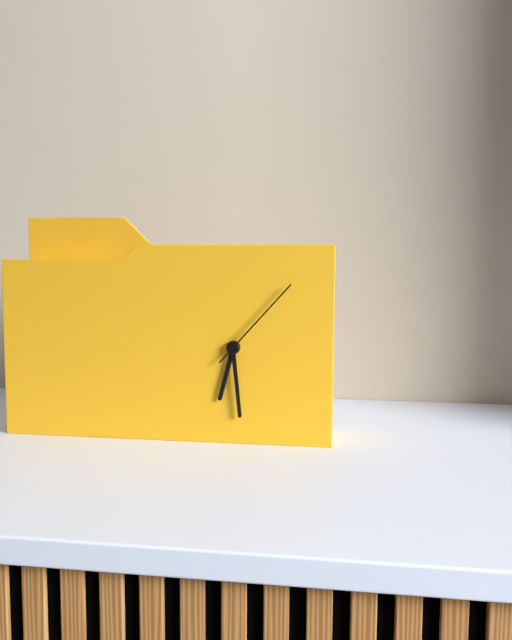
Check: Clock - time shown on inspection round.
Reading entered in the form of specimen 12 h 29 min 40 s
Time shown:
6 h 29 min 07 s
